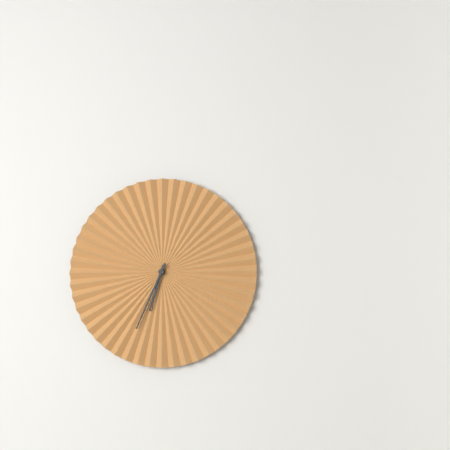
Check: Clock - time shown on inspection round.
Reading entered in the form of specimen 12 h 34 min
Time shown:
6 h 34 min
